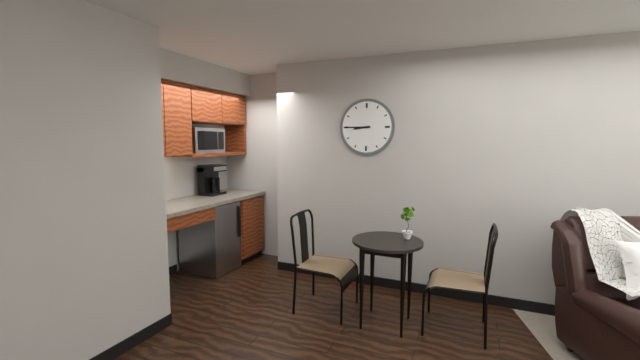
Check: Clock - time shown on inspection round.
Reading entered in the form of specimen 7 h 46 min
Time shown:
8 h 45 min
